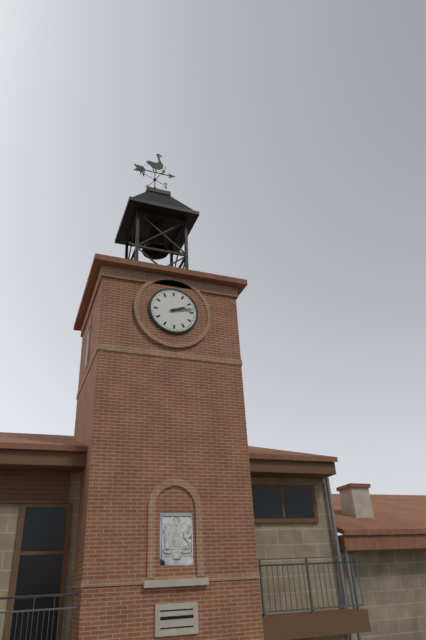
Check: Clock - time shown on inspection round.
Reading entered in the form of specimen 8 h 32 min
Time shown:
2 h 13 min
